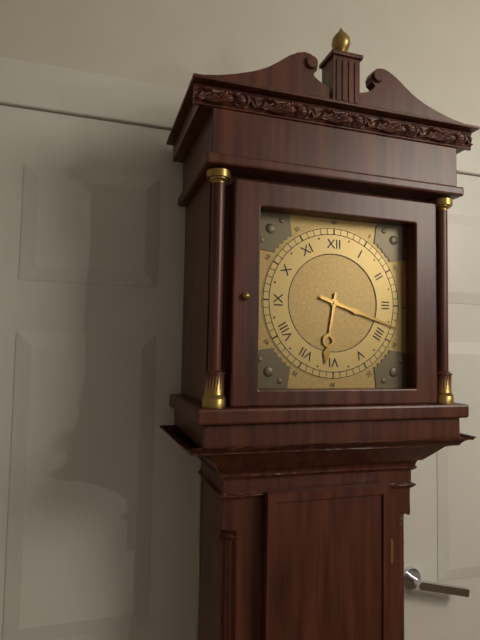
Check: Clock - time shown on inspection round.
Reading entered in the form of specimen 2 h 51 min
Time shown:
6 h 18 min
